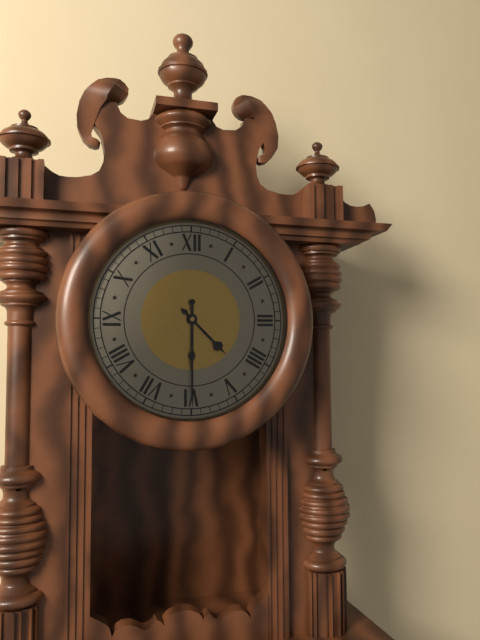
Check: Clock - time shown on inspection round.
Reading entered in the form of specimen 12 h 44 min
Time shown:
4 h 30 min
